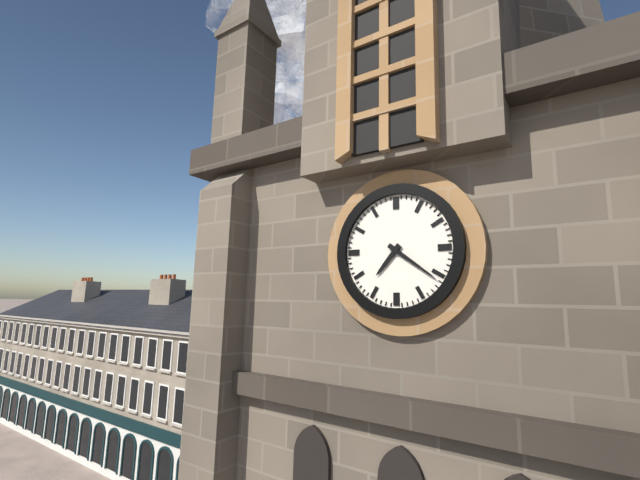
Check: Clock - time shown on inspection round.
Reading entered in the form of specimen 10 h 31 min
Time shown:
7 h 21 min
